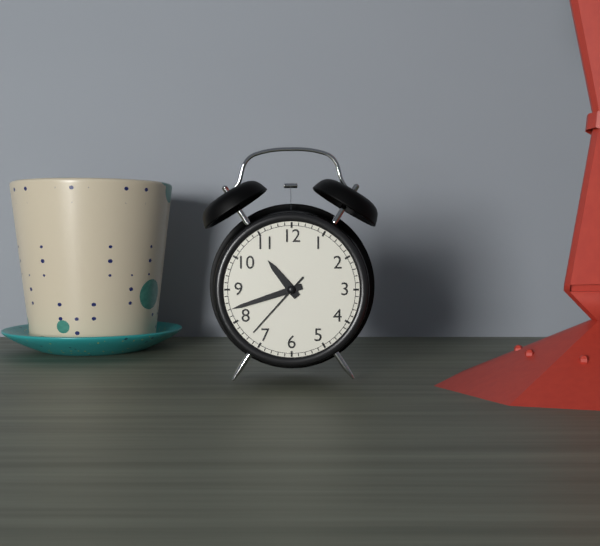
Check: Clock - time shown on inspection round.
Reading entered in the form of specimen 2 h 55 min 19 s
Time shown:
10 h 42 min 37 s
